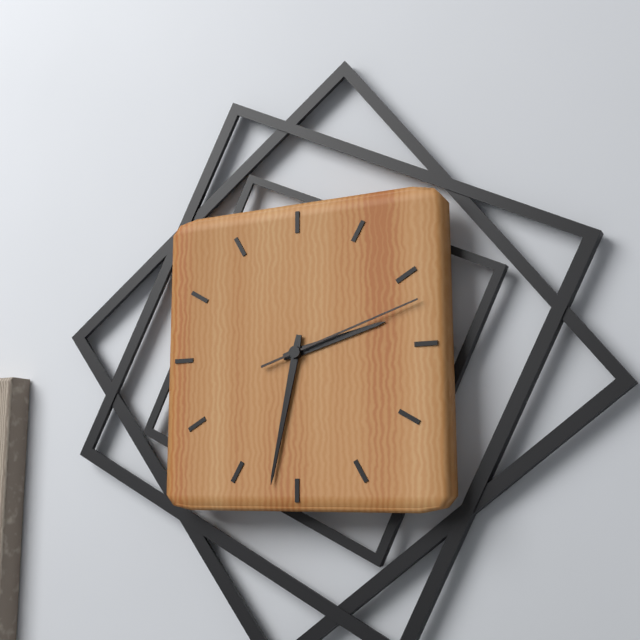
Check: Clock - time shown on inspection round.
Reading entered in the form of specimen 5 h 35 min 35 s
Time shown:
2 h 32 min 12 s
